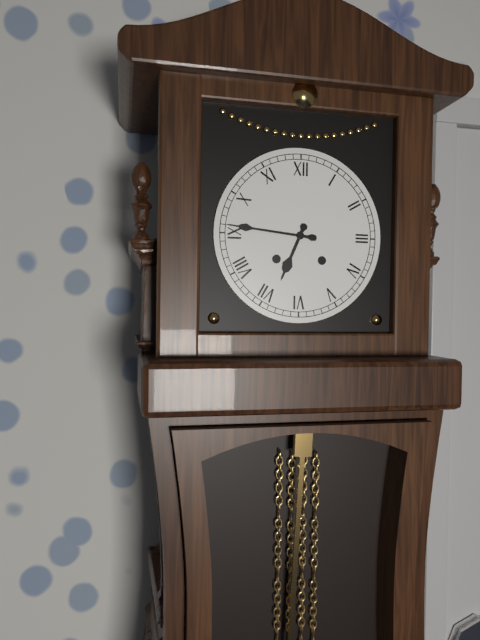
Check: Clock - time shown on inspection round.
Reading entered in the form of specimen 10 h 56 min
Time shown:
6 h 46 min
